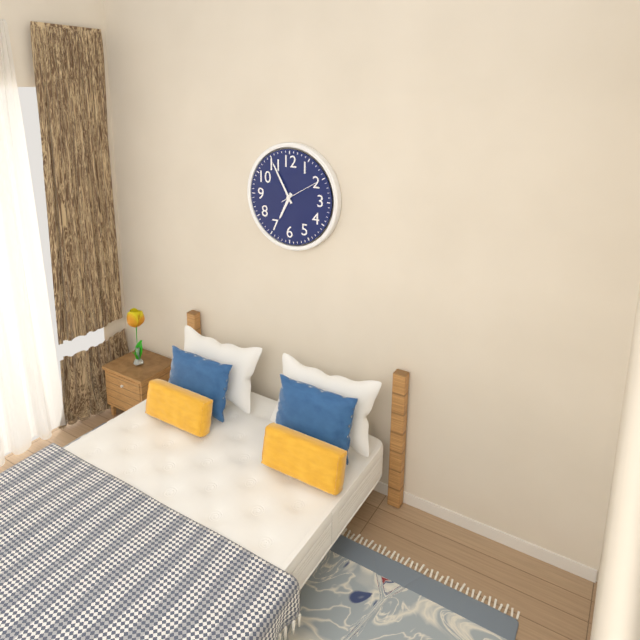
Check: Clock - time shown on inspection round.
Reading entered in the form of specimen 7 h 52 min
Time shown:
6 h 55 min
